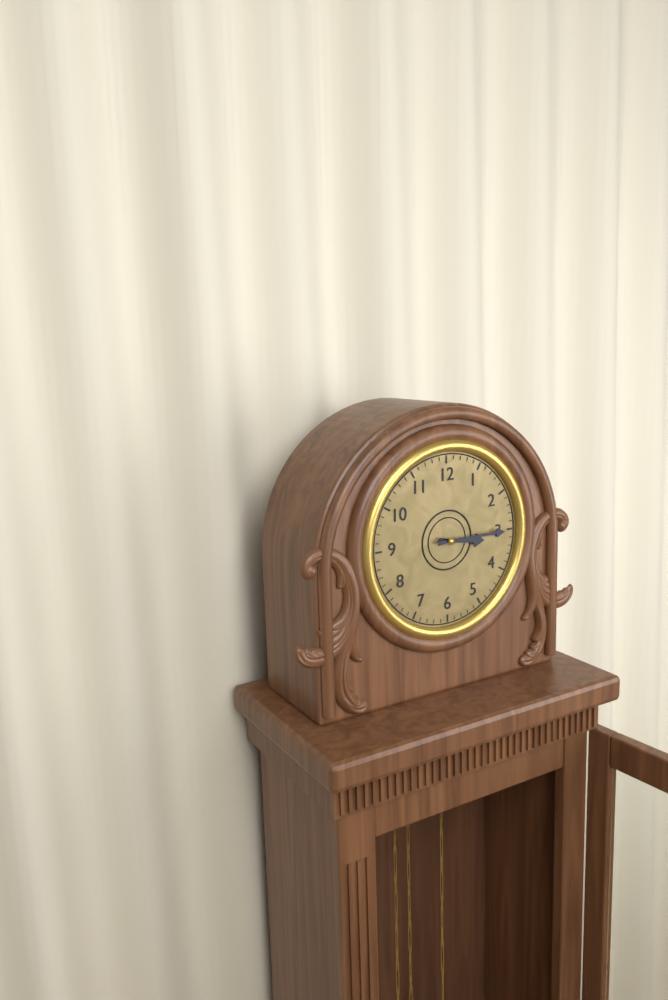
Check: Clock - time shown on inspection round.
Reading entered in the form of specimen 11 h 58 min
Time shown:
3 h 15 min
